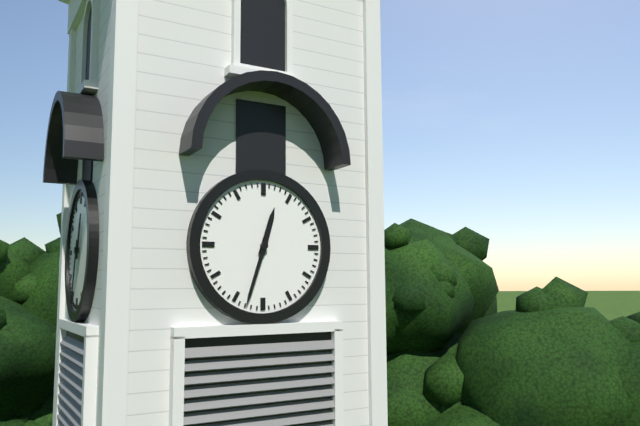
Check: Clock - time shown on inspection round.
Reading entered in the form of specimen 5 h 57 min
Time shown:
12 h 33 min
